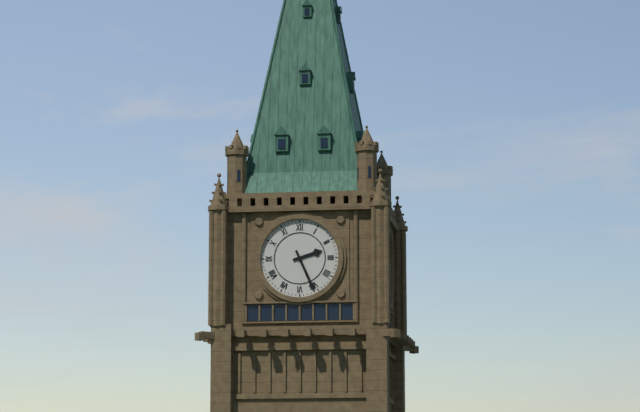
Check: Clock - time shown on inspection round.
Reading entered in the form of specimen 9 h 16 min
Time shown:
2 h 26 min
